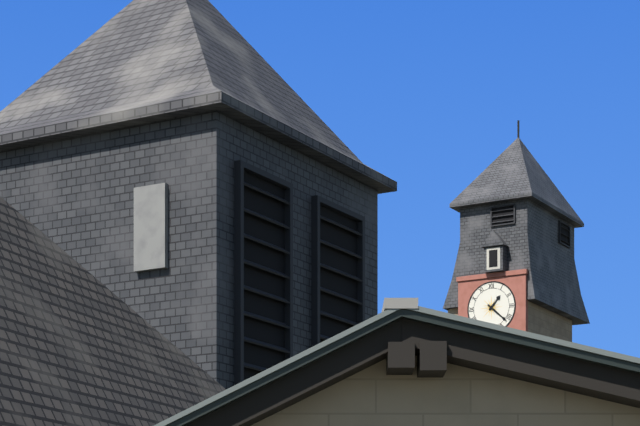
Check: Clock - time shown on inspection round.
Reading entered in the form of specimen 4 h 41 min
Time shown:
1 h 22 min
